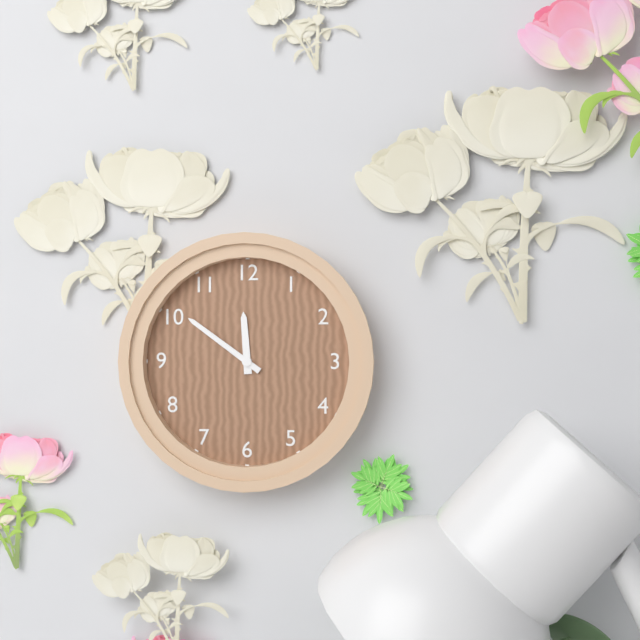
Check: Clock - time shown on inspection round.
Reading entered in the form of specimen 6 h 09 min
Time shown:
11 h 51 min
